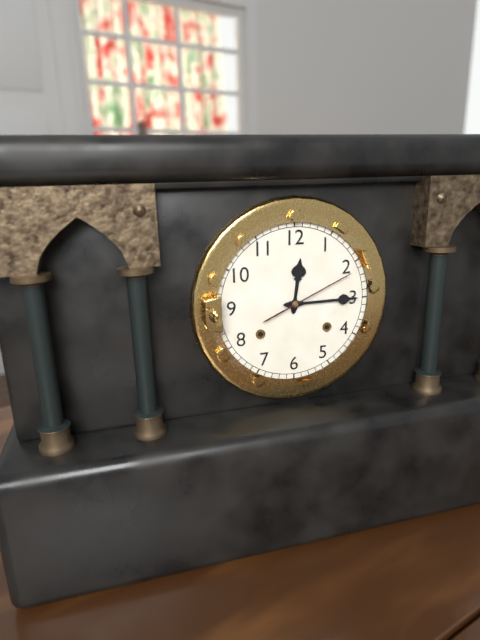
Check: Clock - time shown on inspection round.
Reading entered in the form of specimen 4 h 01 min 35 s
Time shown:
12 h 15 min 11 s
